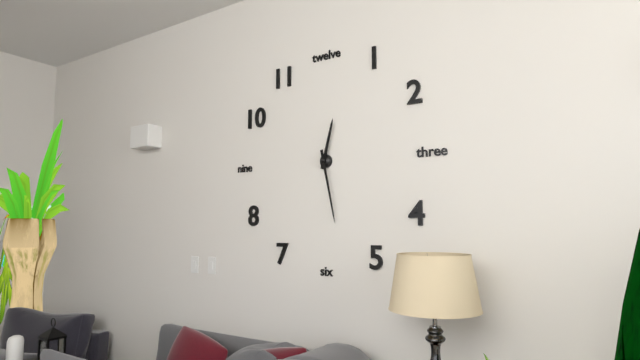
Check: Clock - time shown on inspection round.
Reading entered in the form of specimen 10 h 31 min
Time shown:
12 h 28 min
